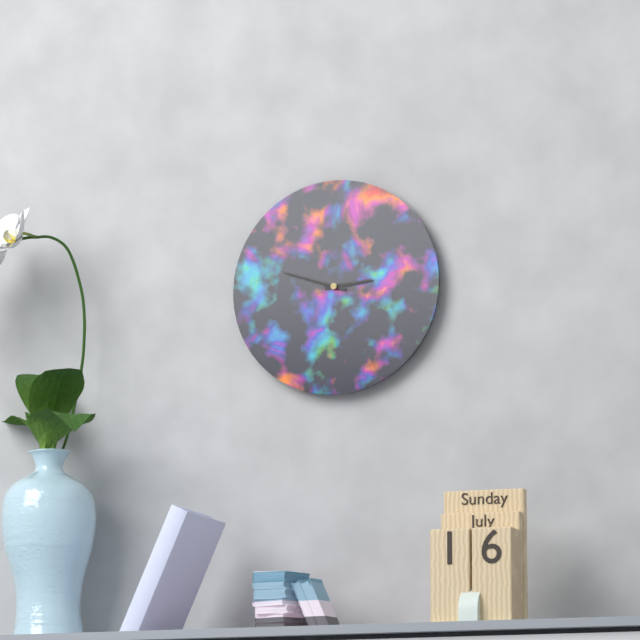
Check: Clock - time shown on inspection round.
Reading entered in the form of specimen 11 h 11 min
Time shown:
2 h 48 min
